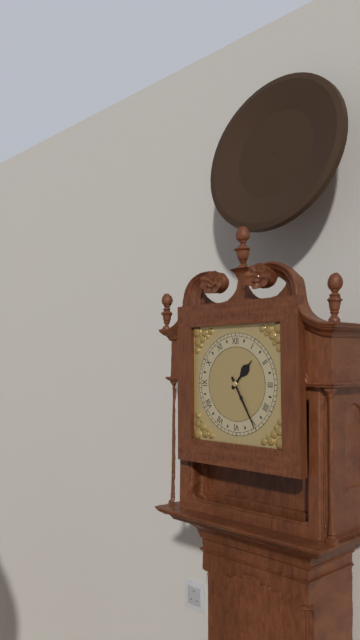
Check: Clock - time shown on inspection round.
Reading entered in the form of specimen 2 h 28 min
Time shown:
1 h 25 min
